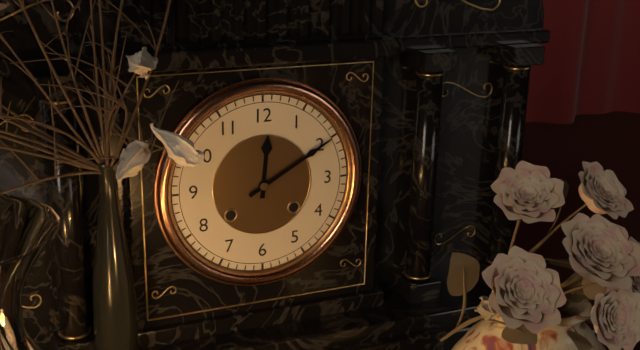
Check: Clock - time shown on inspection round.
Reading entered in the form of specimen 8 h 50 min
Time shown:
12 h 10 min
